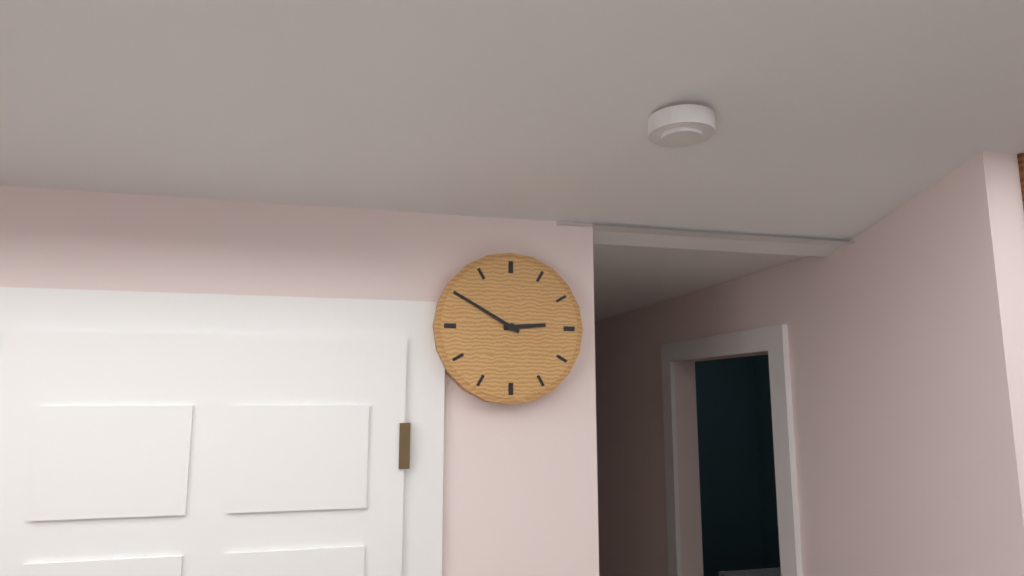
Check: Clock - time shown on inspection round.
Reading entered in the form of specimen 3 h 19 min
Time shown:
2 h 50 min
